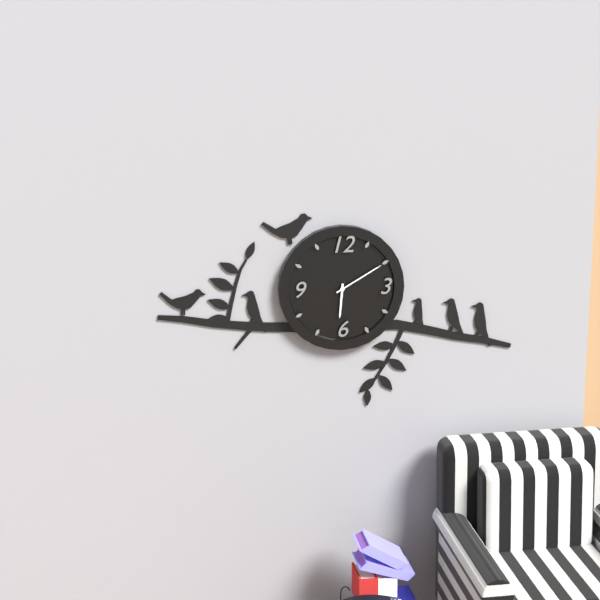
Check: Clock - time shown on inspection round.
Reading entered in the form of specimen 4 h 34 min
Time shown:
6 h 10 min
